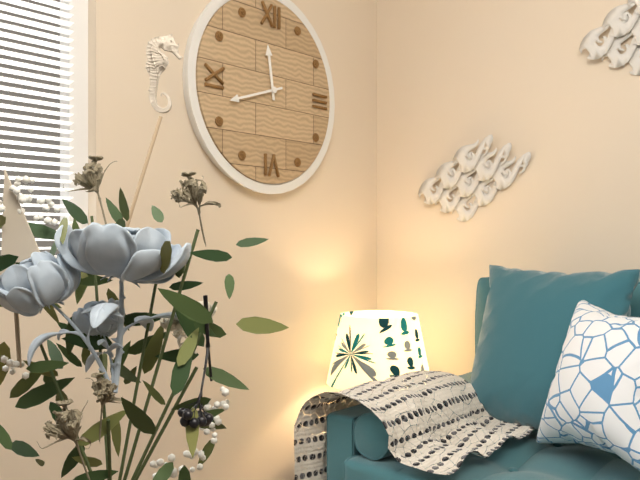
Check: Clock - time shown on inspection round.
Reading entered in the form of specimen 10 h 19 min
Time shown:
11 h 42 min
